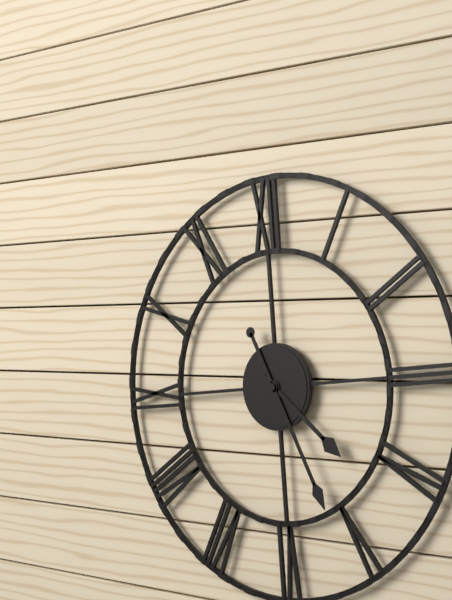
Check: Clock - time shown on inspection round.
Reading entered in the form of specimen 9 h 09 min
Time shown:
4 h 26 min
